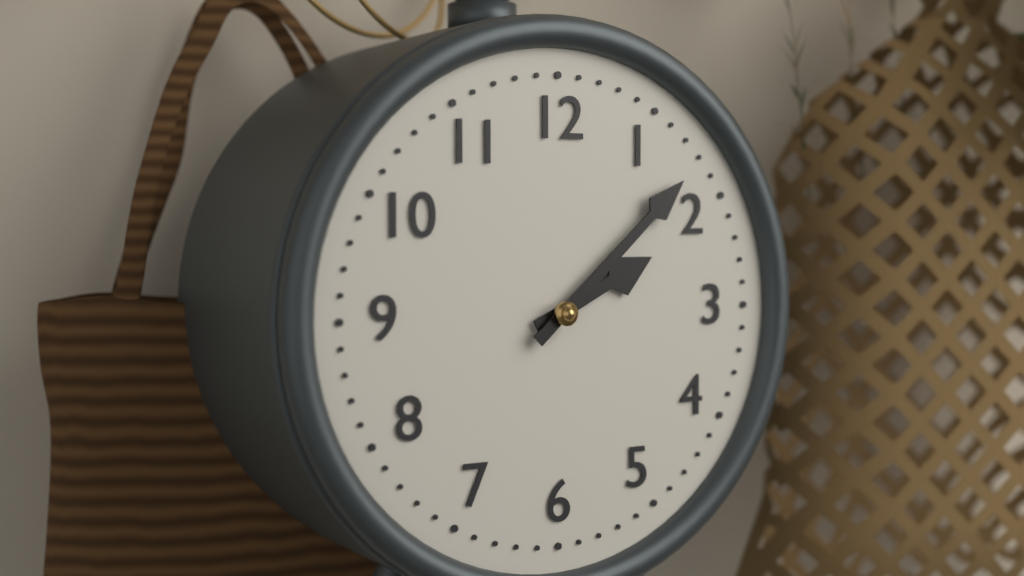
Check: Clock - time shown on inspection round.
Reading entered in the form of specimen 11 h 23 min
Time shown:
2 h 08 min
